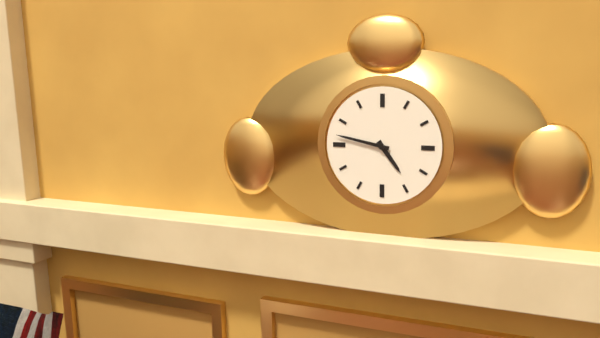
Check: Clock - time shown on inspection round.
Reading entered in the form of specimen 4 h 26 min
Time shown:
4 h 47 min
